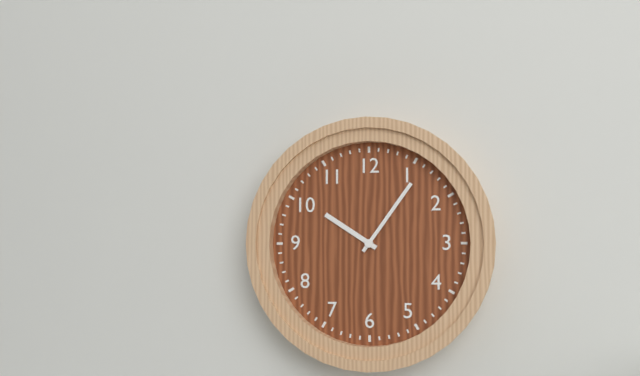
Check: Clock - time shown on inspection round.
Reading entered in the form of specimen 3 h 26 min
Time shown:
10 h 06 min
